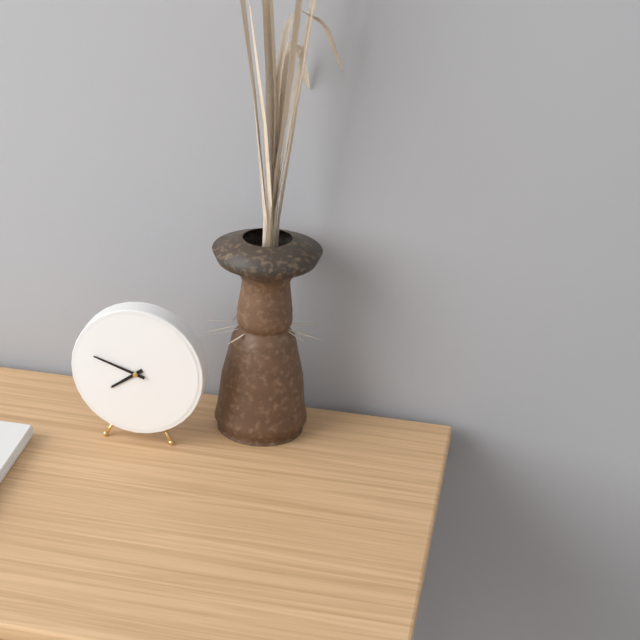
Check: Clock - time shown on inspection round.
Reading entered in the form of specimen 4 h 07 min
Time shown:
7 h 48 min
